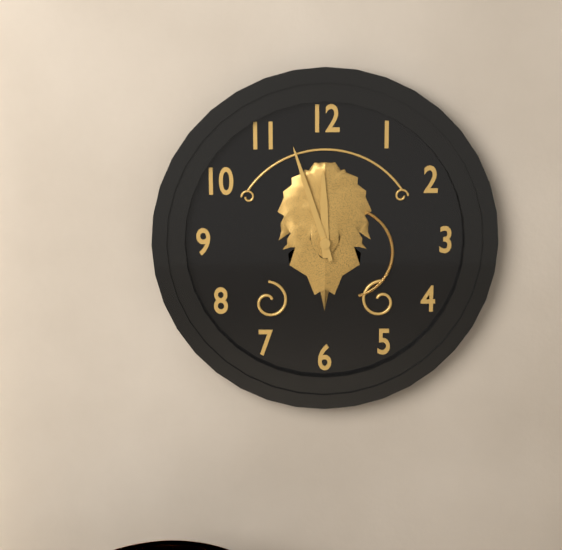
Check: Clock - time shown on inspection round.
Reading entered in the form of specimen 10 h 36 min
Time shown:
11 h 57 min
